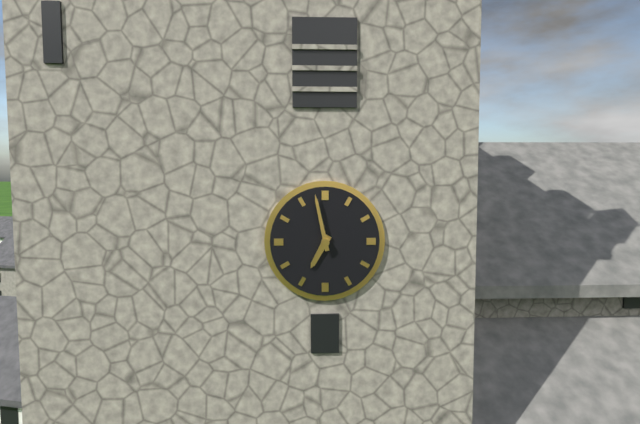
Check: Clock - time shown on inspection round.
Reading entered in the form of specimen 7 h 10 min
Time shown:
6 h 58 min
